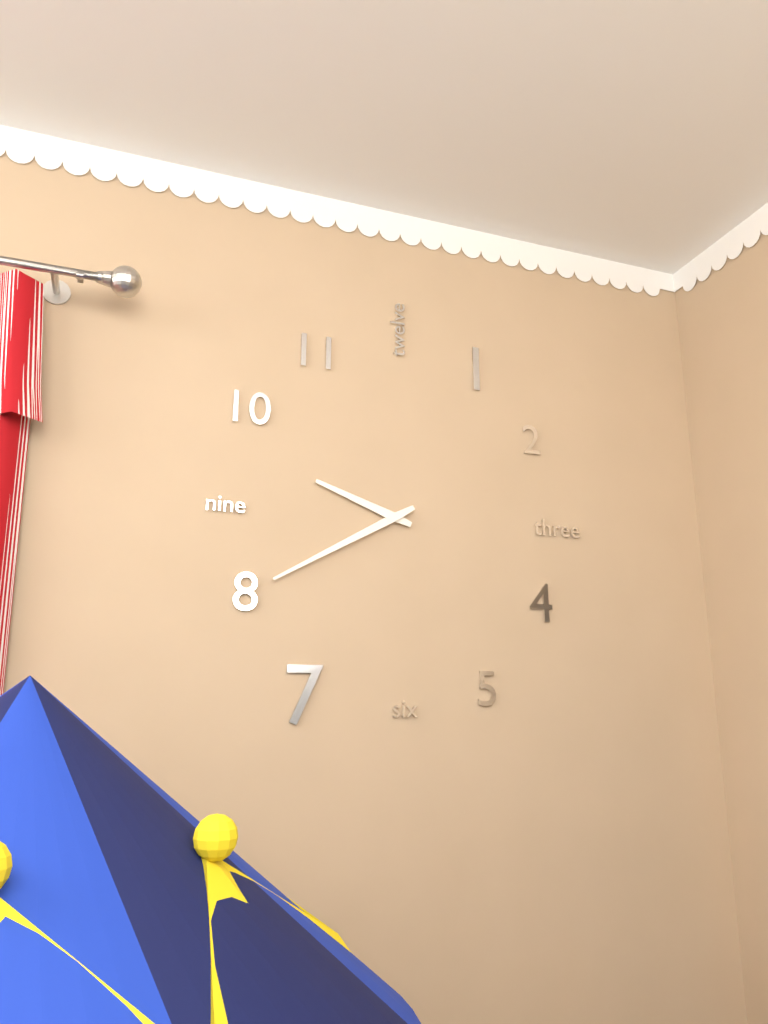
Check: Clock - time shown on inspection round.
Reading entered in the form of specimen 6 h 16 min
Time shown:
9 h 40 min
